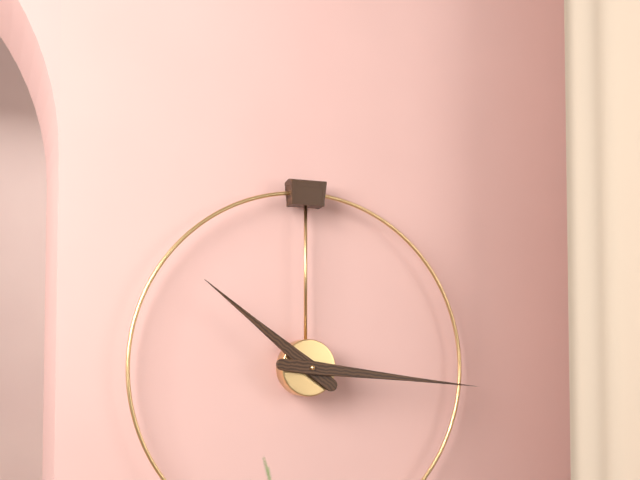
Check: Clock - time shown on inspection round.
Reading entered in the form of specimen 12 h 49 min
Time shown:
10 h 16 min
